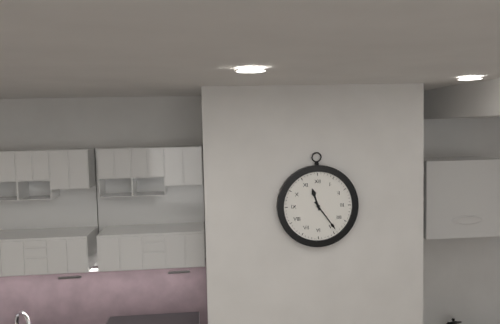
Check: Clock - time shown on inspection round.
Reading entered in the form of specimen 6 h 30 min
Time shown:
11 h 24 min
